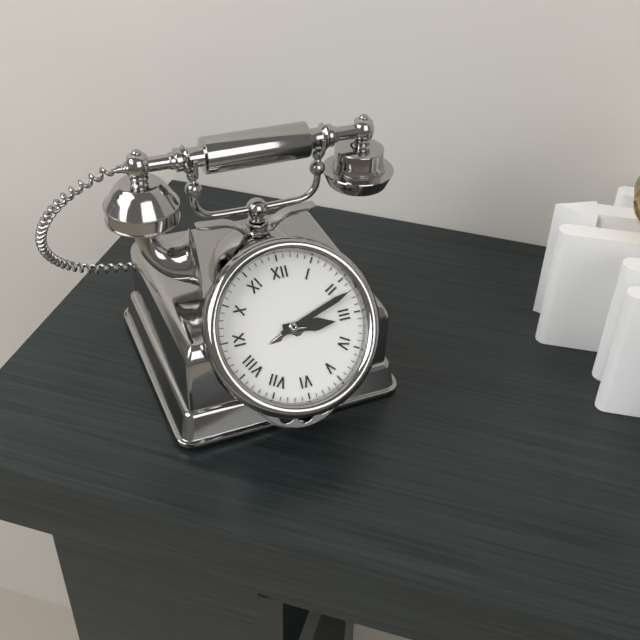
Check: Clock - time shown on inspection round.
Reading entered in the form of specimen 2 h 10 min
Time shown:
3 h 12 min
